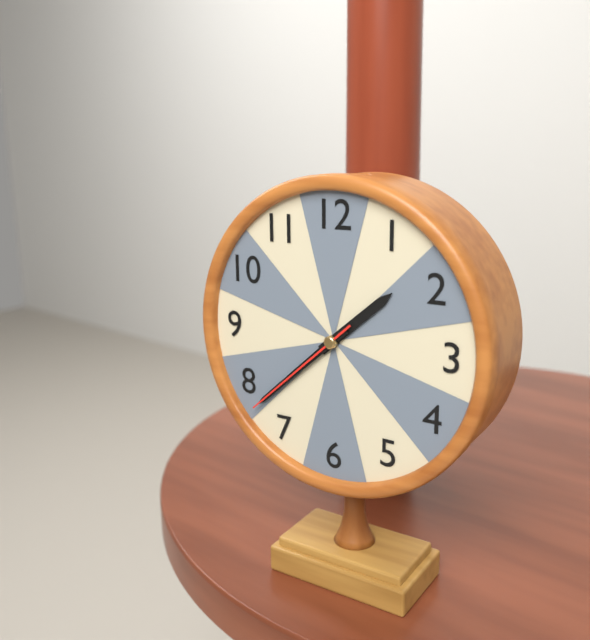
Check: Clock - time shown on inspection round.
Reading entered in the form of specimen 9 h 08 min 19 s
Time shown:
1 h 38 min 38 s
